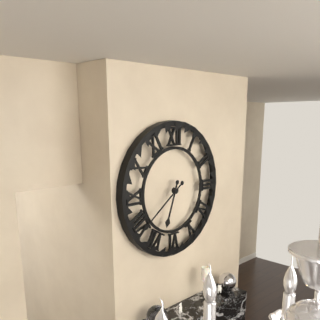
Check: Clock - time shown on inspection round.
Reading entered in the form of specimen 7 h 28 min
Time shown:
6 h 39 min
